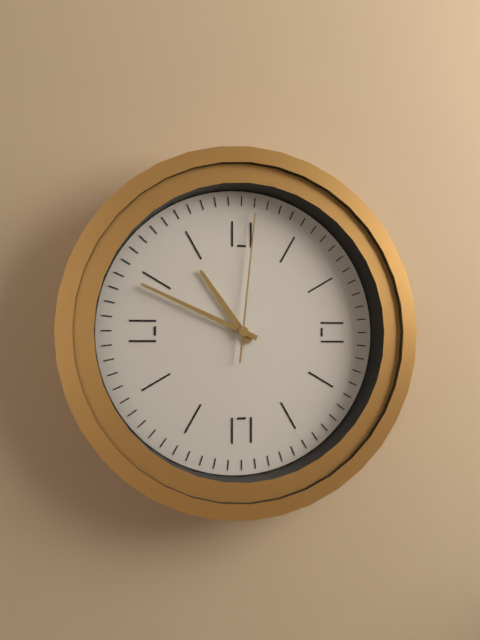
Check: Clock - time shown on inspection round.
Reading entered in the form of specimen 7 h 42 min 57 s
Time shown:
10 h 49 min 01 s
